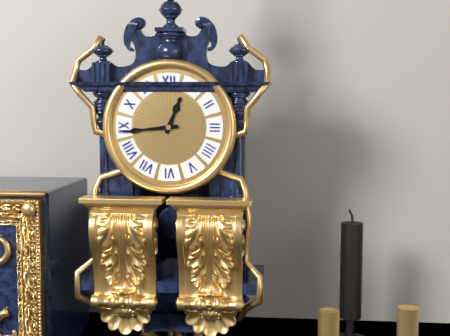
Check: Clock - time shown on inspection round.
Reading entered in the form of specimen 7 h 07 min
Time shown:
12 h 44 min
